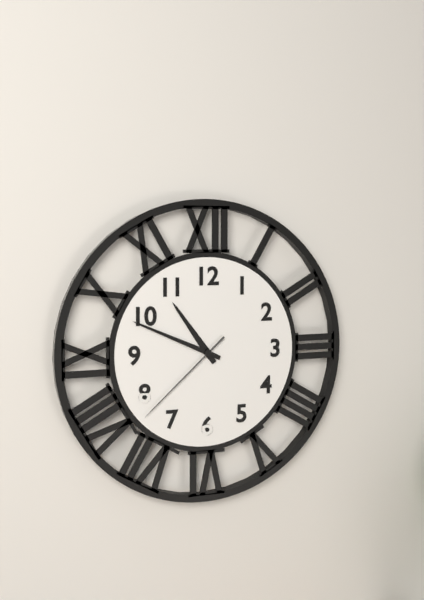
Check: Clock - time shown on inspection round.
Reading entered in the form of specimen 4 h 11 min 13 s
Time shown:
10 h 49 min 38 s
